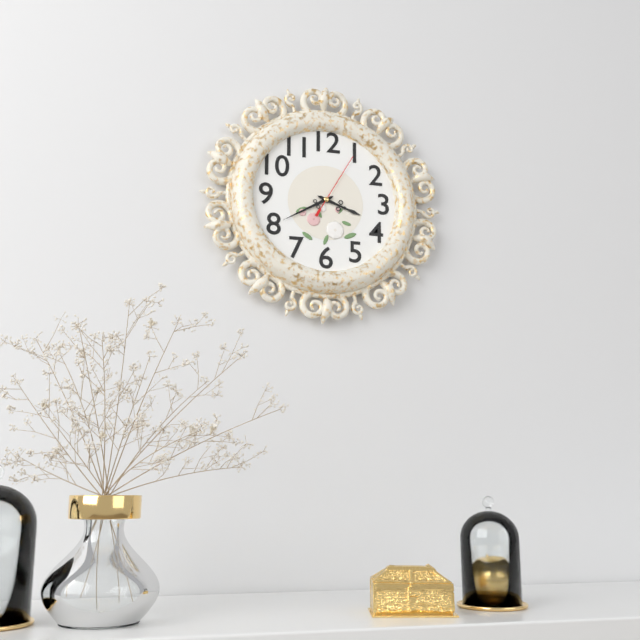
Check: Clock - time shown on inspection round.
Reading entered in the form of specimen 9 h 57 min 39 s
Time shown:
3 h 40 min 05 s
